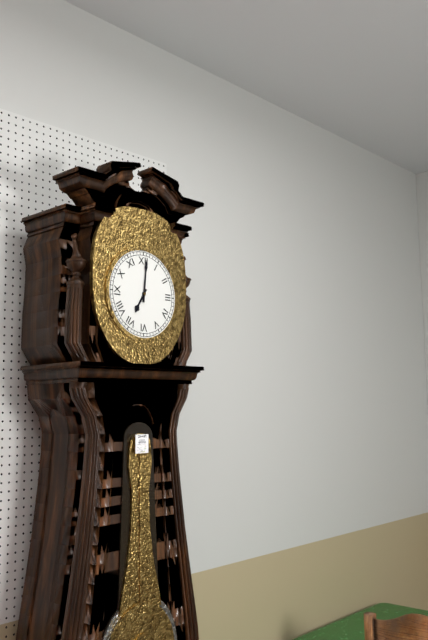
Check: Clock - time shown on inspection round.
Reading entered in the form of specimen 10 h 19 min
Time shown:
7 h 01 min
